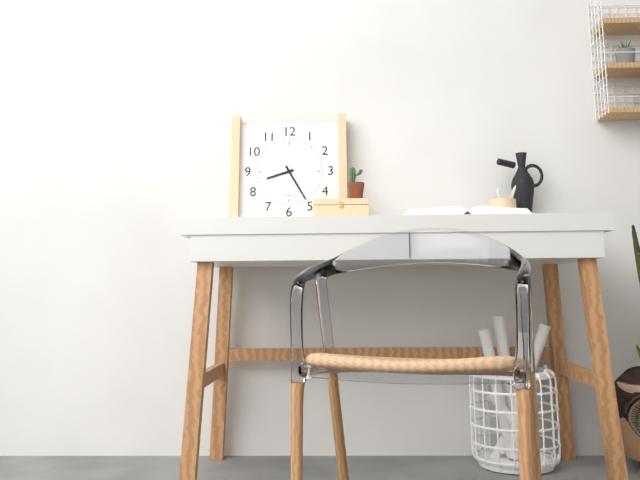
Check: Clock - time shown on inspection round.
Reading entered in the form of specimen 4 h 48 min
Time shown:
8 h 25 min
